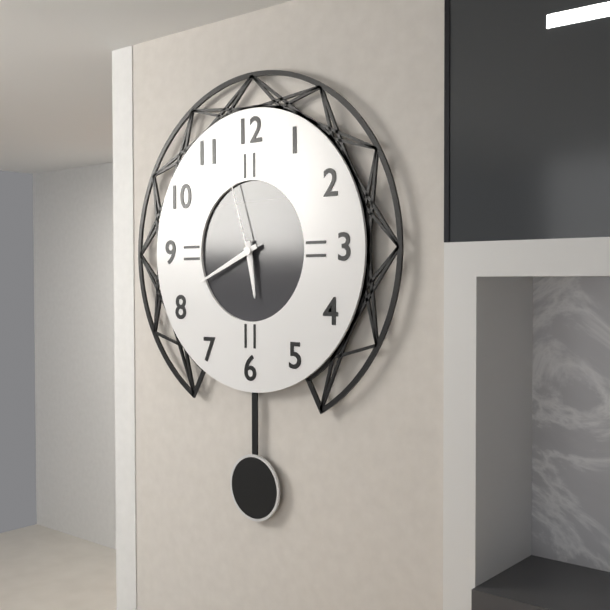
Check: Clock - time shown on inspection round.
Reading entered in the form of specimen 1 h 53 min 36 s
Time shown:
5 h 41 min 57 s
